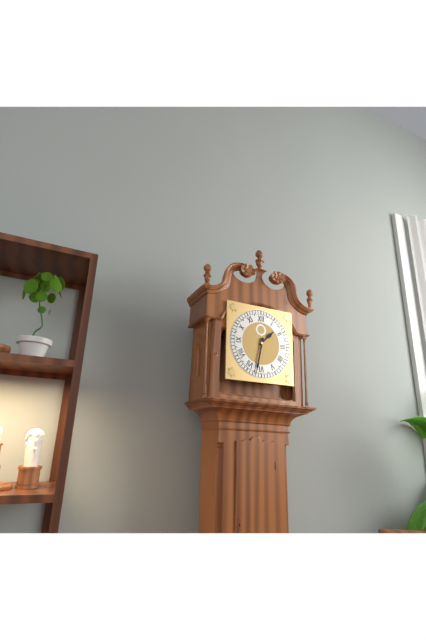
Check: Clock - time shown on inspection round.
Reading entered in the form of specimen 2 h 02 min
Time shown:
1 h 32 min
